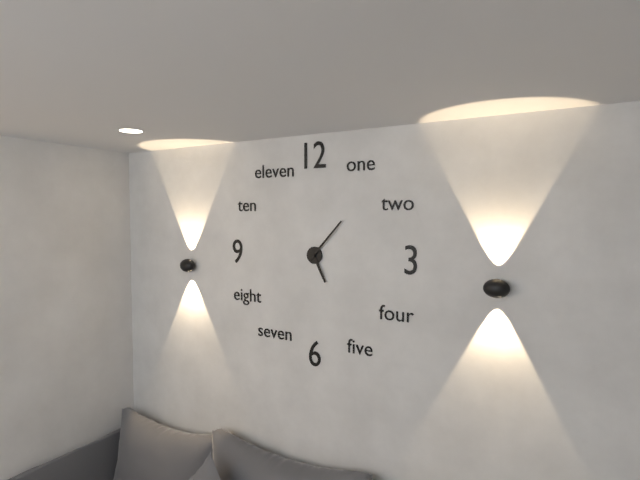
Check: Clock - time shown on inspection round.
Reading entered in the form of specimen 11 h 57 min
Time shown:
5 h 07 min
